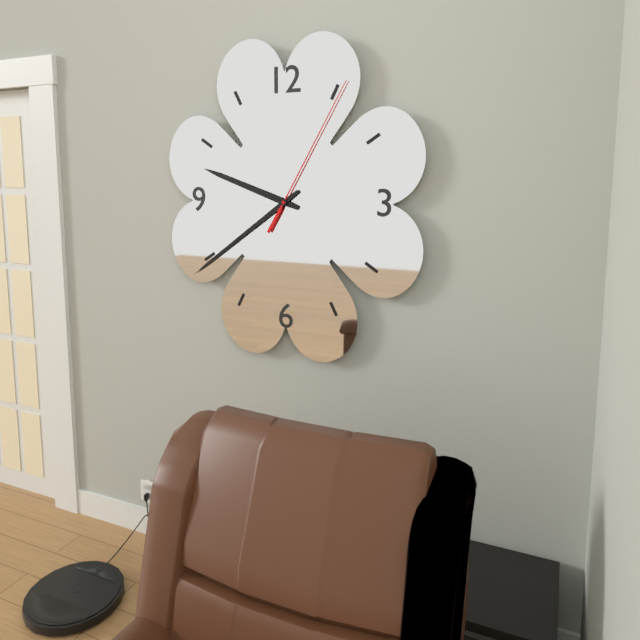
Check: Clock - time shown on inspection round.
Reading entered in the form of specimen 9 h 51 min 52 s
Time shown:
9 h 39 min 05 s
